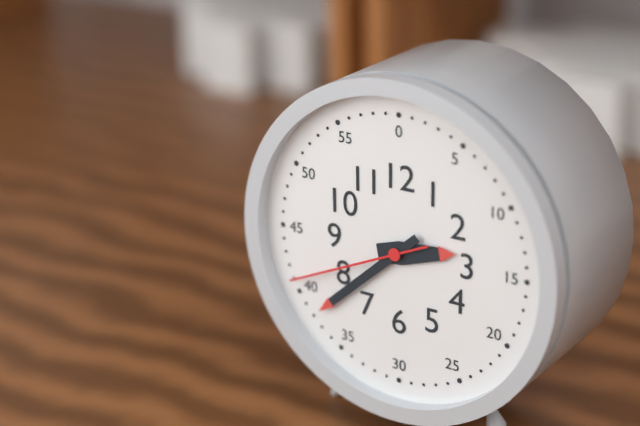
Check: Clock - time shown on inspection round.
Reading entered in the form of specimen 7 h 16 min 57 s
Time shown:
2 h 38 min 41 s
